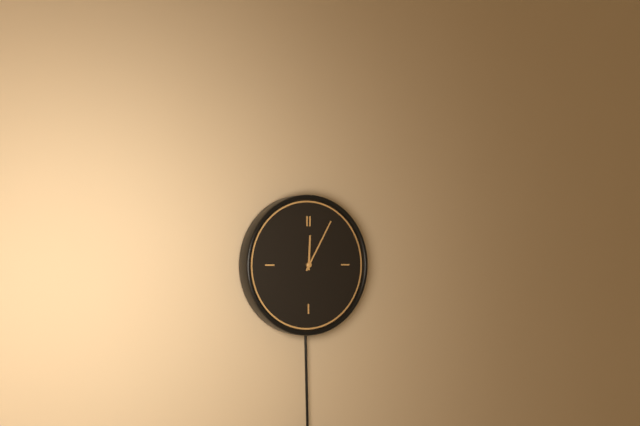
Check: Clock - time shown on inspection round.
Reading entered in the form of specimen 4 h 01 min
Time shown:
12 h 05 min
